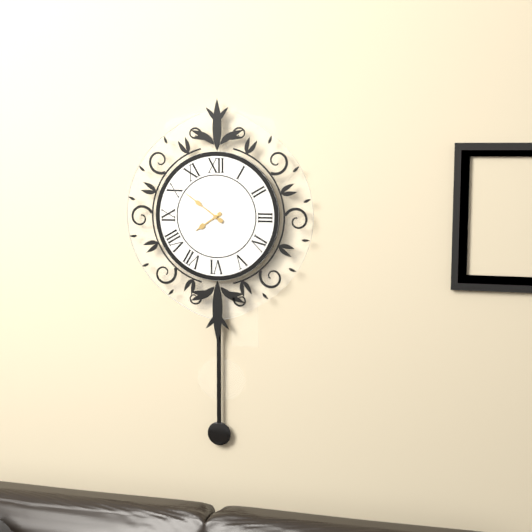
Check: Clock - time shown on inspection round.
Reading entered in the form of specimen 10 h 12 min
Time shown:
7 h 51 min
